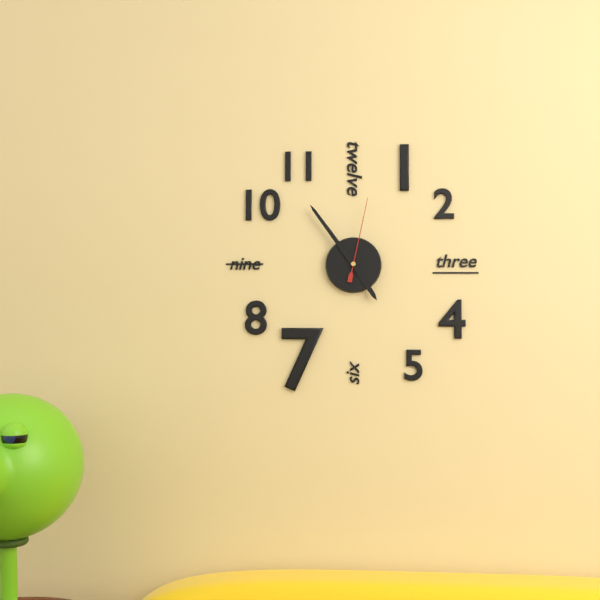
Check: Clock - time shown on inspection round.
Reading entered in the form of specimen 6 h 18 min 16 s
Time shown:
4 h 54 min 02 s
